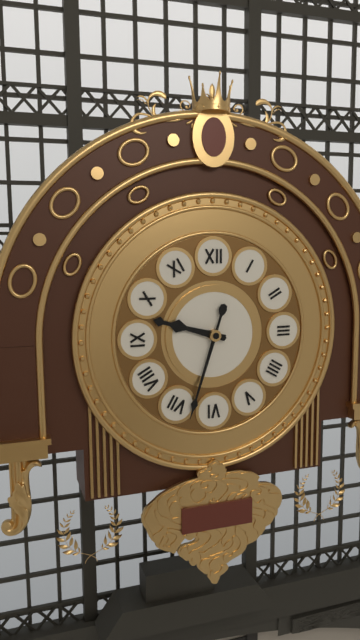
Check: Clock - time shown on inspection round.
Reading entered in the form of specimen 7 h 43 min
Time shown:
9 h 33 min
